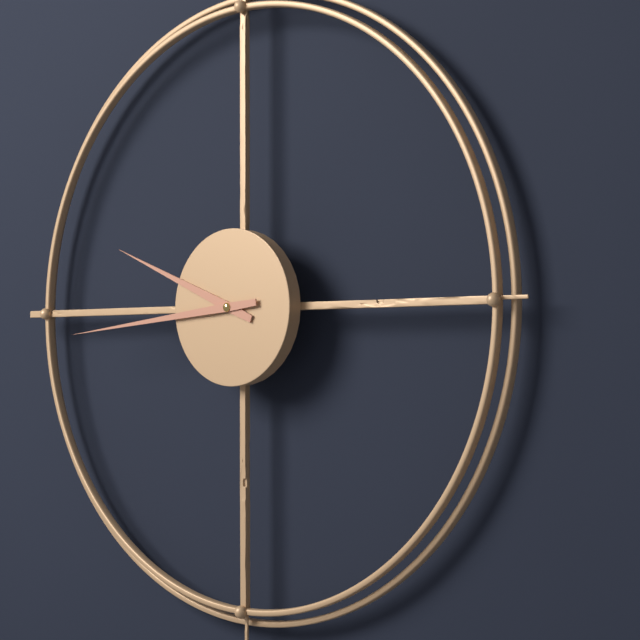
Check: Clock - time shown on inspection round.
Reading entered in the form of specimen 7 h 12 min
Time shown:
9 h 44 min
